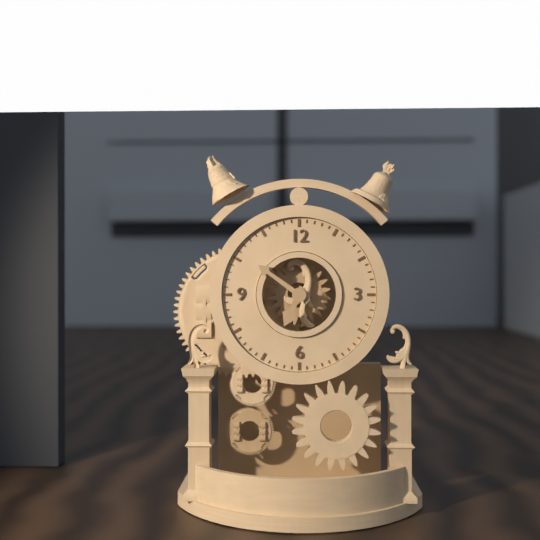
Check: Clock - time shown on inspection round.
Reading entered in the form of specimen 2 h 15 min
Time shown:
6 h 51 min
